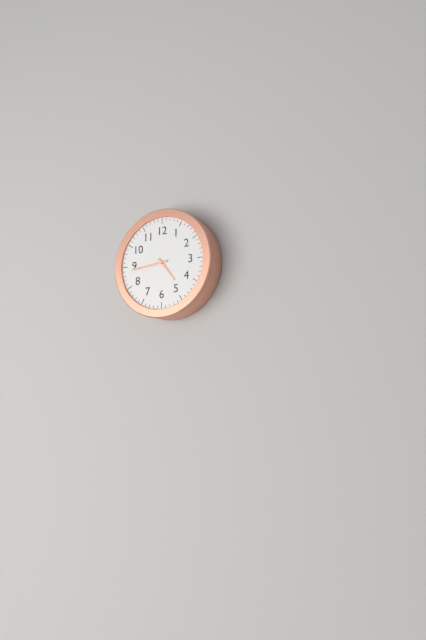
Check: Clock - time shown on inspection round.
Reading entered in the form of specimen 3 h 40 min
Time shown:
4 h 44 min
